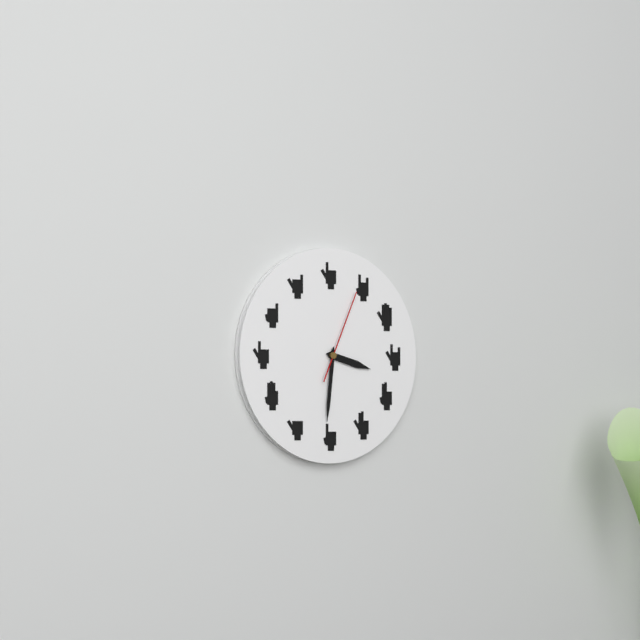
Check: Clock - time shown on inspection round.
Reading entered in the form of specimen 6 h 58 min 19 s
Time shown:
3 h 31 min 04 s
